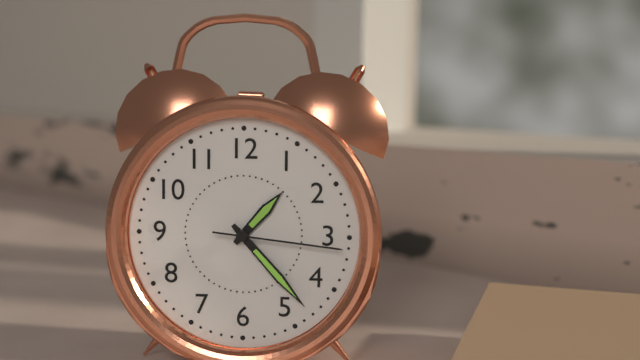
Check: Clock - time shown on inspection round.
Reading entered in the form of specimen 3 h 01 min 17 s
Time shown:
1 h 23 min 16 s
